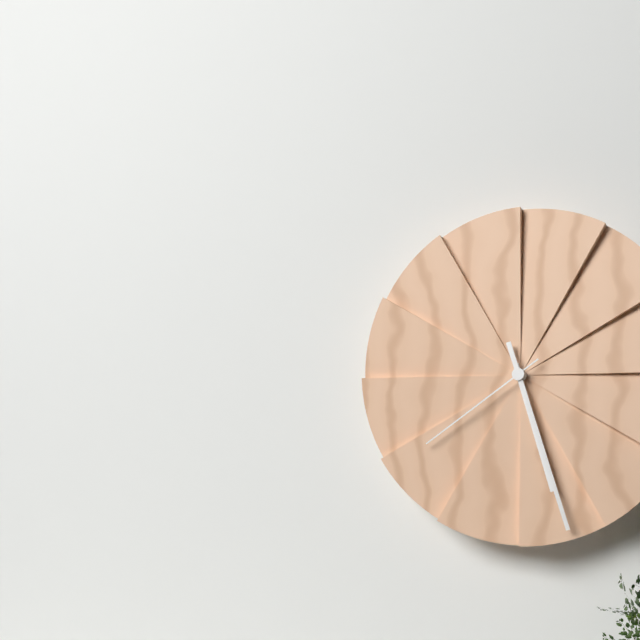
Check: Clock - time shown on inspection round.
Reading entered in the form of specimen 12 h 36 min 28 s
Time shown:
5 h 27 min 39 s
